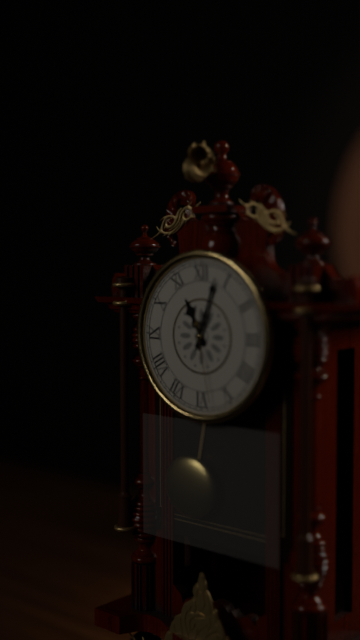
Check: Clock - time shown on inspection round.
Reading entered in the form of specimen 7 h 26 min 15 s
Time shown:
11 h 03 min 28 s
